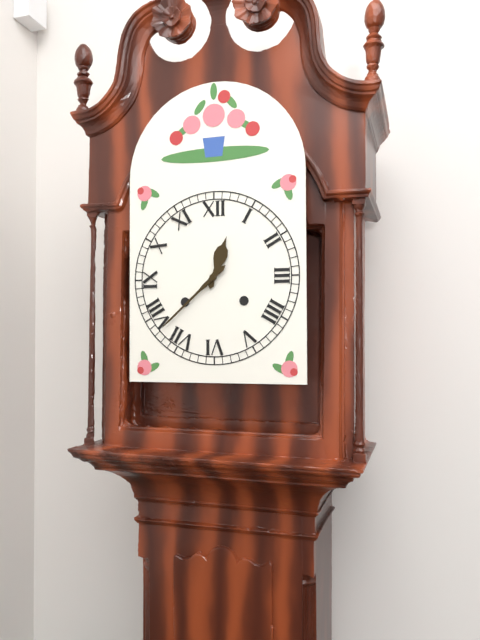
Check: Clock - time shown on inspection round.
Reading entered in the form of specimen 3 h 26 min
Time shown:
12 h 38 min
